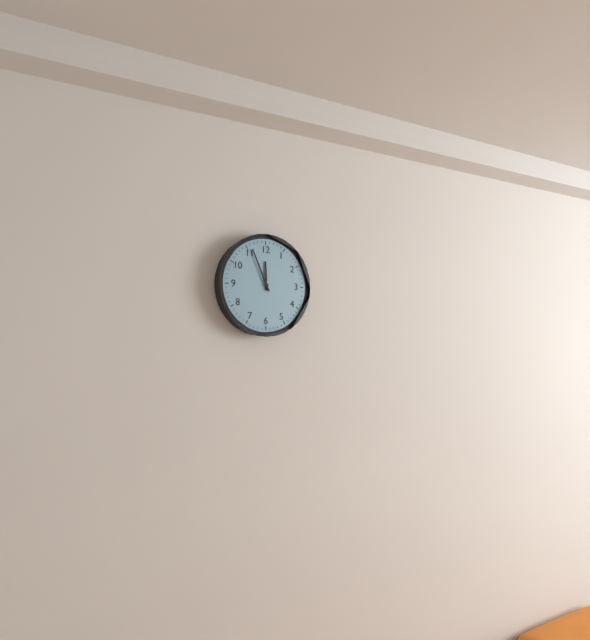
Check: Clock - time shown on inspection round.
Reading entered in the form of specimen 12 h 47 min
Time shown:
11 h 56 min
